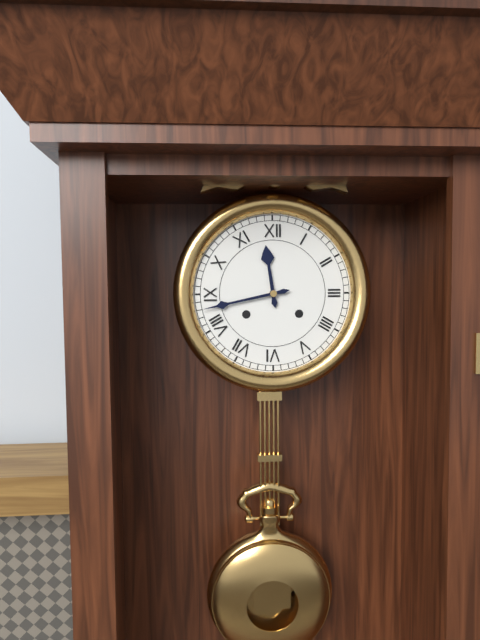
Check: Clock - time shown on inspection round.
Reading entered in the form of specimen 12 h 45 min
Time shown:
11 h 43 min
